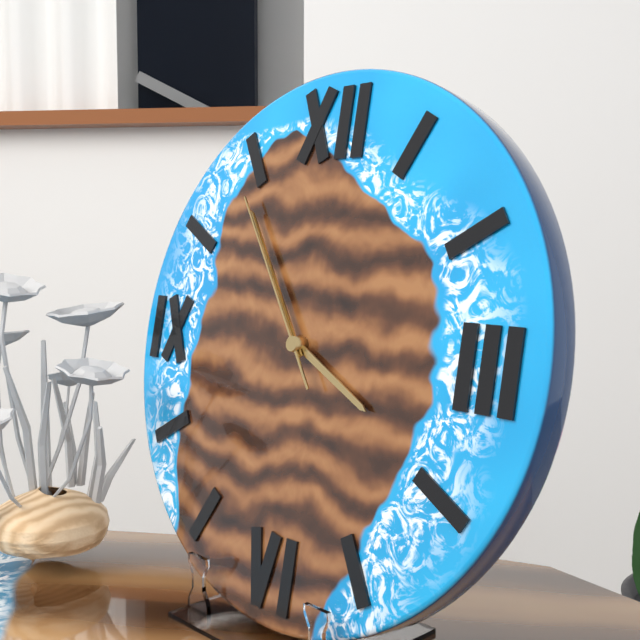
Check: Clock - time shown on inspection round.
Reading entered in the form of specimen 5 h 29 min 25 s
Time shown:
3 h 54 min 54 s
